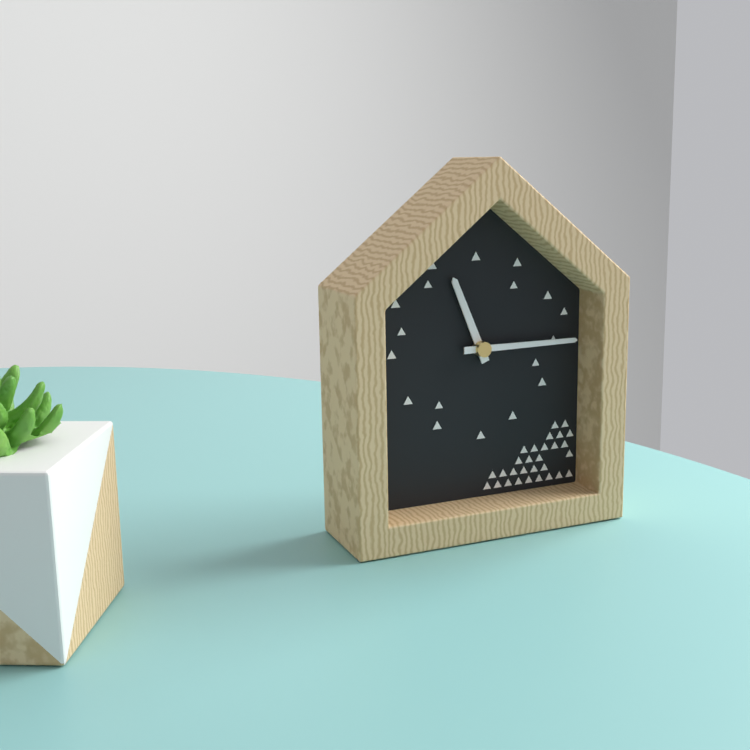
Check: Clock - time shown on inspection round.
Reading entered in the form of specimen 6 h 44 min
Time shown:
11 h 15 min
